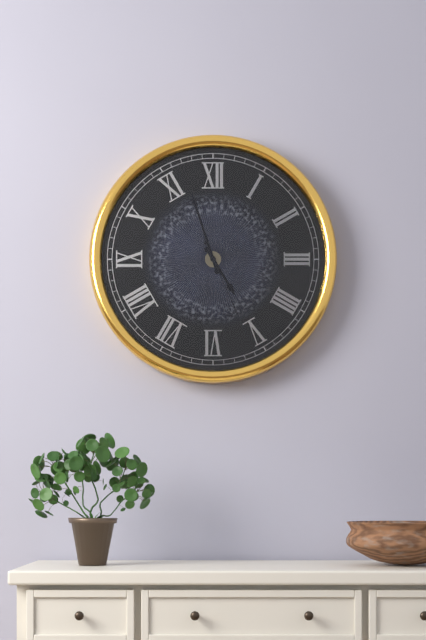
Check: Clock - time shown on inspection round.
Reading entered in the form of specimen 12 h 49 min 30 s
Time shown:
4 h 57 min 26 s
